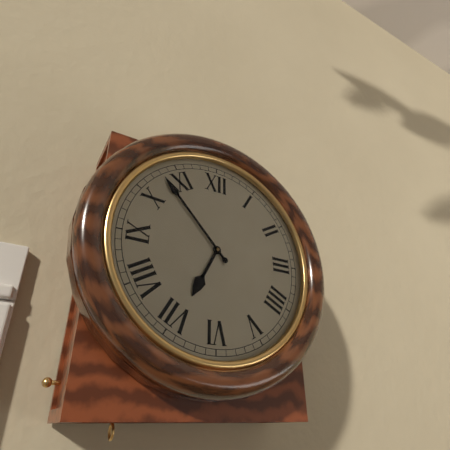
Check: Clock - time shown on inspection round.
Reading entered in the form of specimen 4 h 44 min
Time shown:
6 h 53 min
